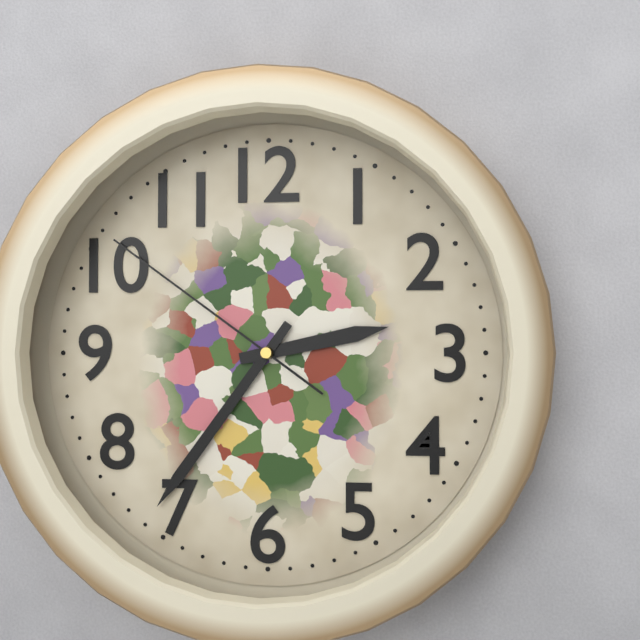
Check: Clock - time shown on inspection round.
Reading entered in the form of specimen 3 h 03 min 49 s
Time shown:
2 h 36 min 51 s
